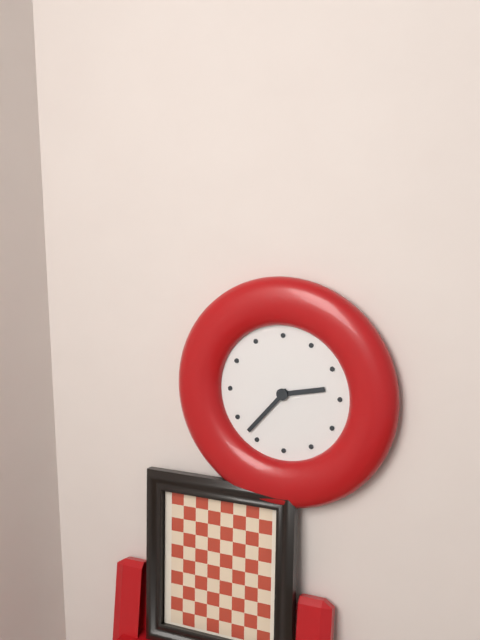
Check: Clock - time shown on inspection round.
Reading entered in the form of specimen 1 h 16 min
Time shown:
2 h 37 min
